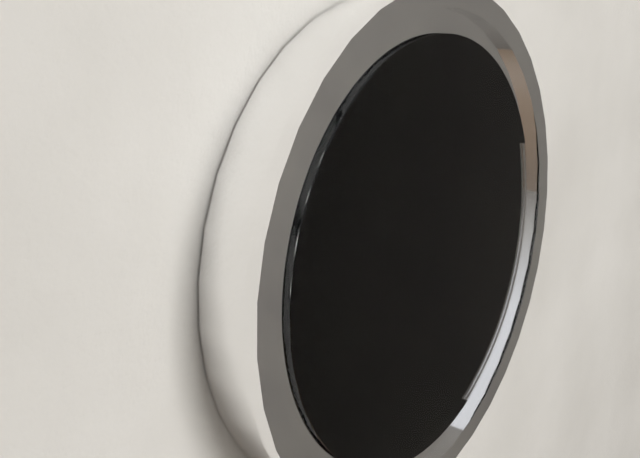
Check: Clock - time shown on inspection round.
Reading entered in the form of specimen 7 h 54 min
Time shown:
4 h 11 min
